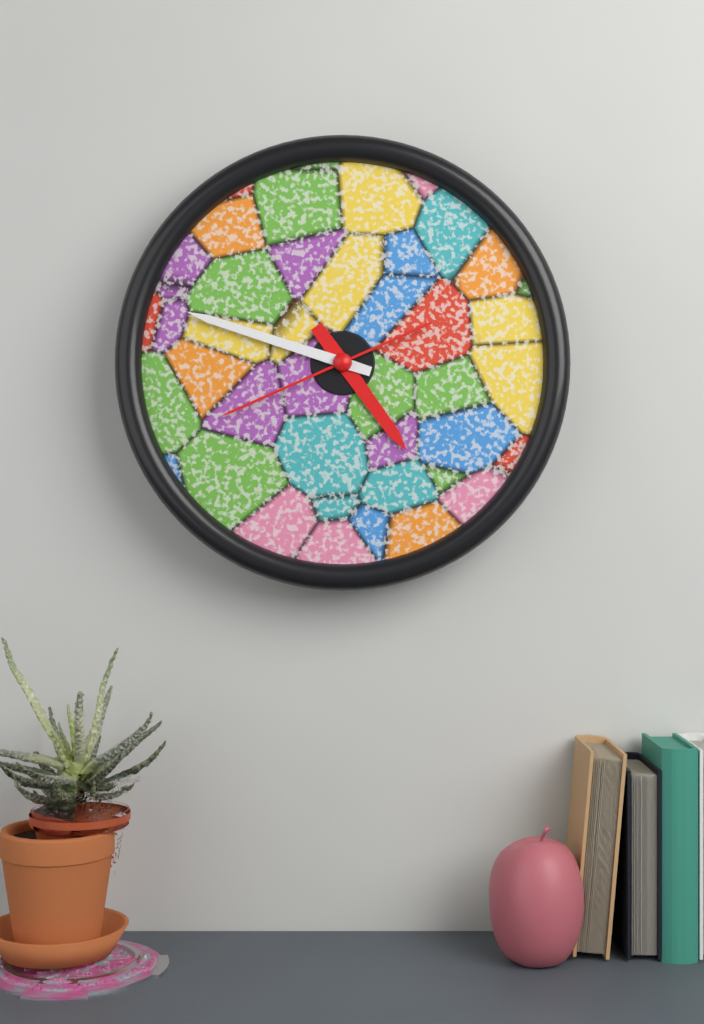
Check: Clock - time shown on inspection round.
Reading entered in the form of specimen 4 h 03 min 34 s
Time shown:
4 h 48 min 41 s
